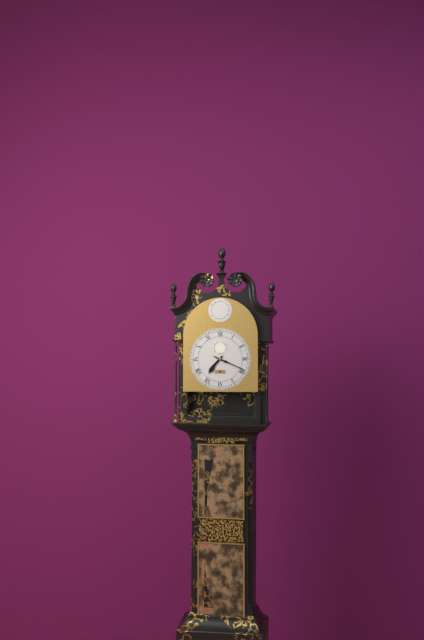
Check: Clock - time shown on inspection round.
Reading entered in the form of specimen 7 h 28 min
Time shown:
7 h 19 min
